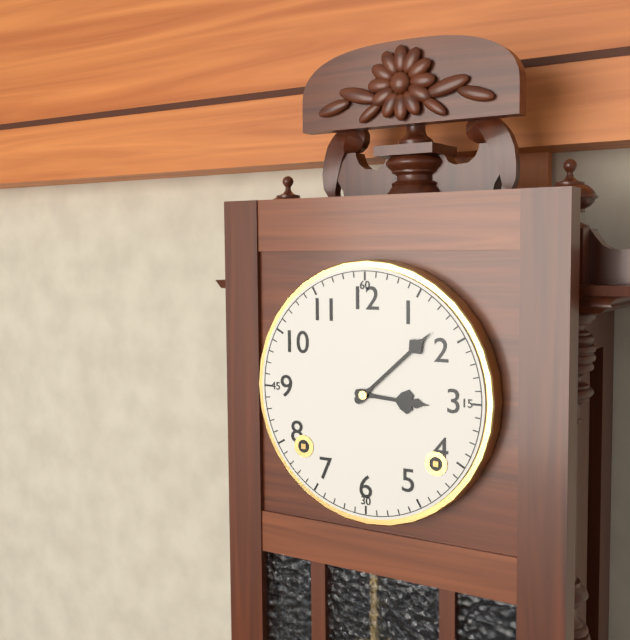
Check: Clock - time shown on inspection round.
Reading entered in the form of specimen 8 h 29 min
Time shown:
3 h 08 min
